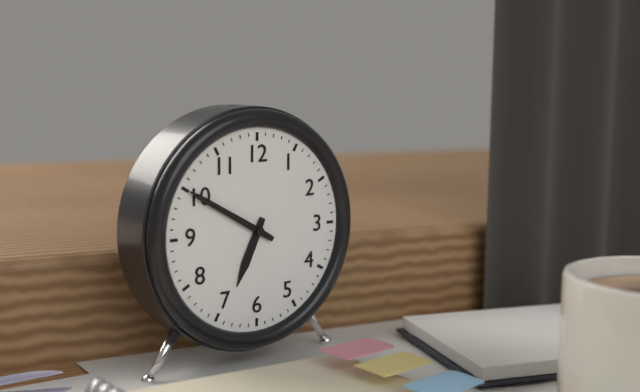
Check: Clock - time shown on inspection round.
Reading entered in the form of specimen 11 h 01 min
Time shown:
6 h 50 min
